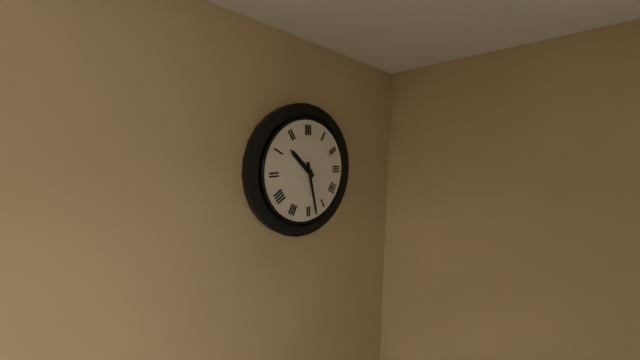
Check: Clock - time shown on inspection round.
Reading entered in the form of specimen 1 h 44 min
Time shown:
10 h 28 min
